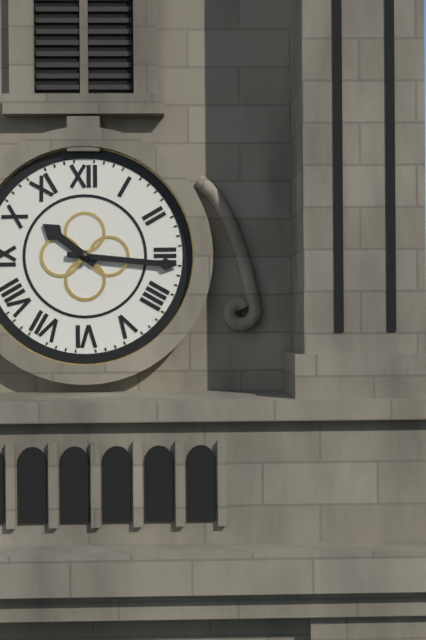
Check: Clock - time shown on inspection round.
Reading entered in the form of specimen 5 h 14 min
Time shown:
10 h 16 min
